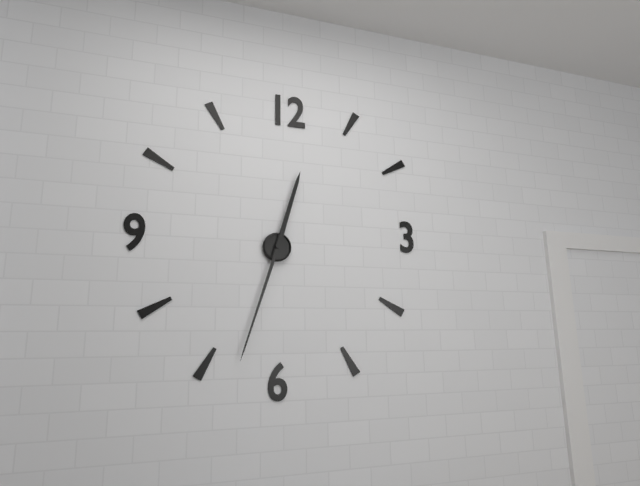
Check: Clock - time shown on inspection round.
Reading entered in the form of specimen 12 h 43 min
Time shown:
12 h 33 min
